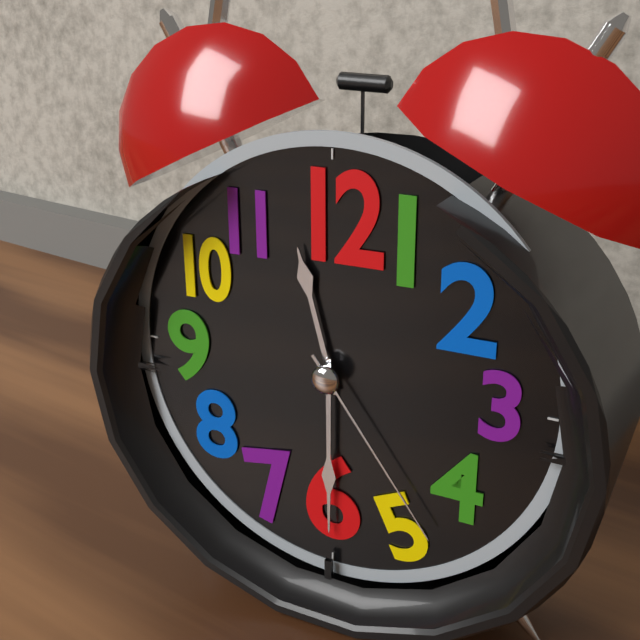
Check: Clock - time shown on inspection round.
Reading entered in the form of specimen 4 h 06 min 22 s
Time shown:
11 h 30 min 24 s
